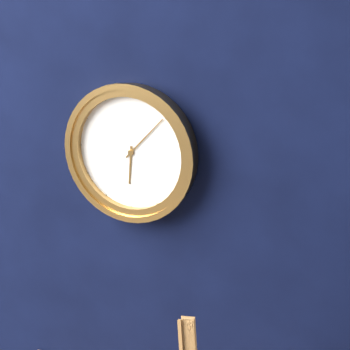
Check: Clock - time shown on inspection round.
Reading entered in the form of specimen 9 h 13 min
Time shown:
6 h 07 min
